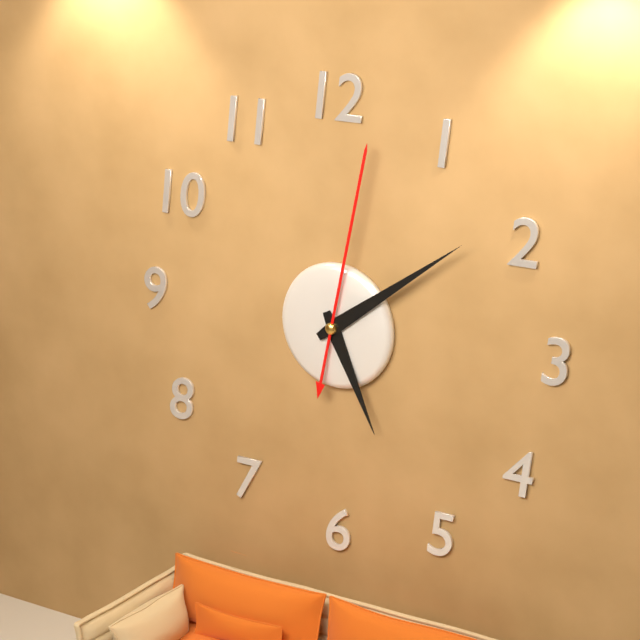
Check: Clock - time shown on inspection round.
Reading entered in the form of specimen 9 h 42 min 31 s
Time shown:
5 h 09 min 02 s
